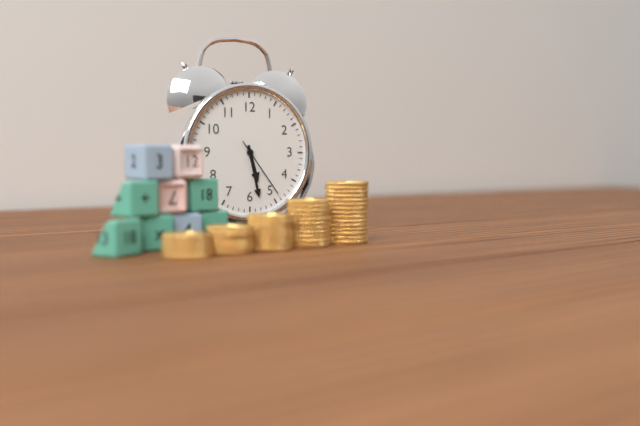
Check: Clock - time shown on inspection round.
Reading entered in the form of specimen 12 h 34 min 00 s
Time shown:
5 h 28 min 24 s
